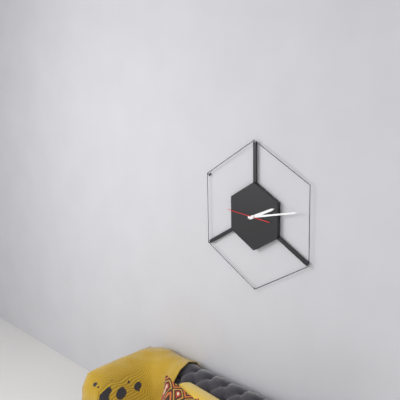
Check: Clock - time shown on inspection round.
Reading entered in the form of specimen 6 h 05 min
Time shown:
2 h 13 min
